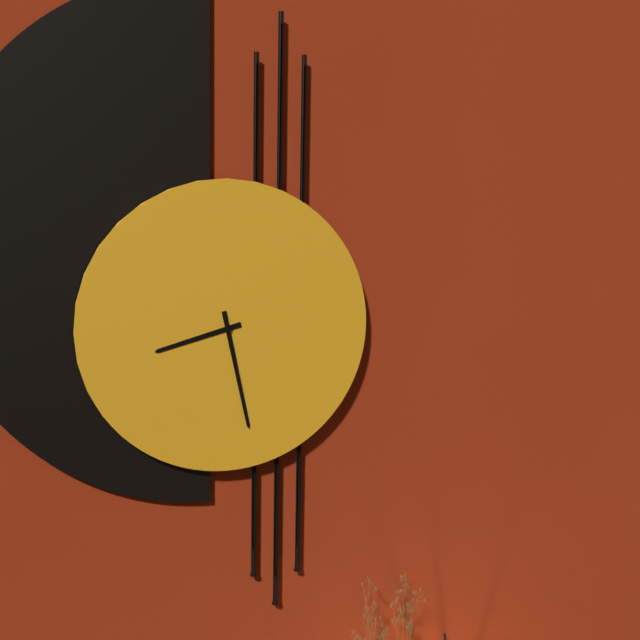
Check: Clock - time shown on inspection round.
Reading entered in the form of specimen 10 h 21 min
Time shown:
8 h 28 min
